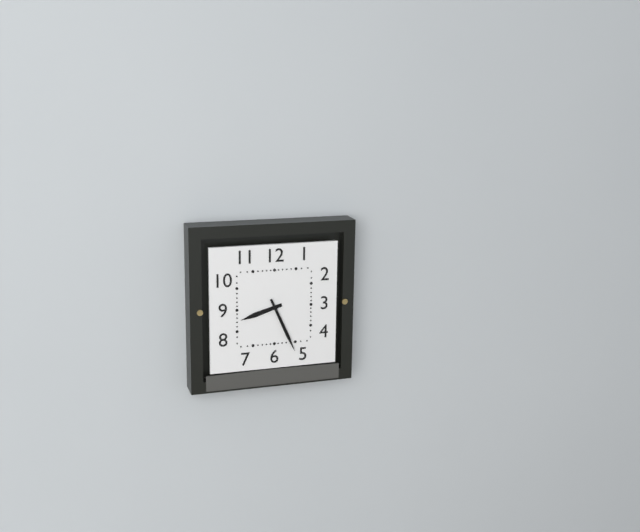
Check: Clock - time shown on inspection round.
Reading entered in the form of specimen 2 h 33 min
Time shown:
8 h 26 min
